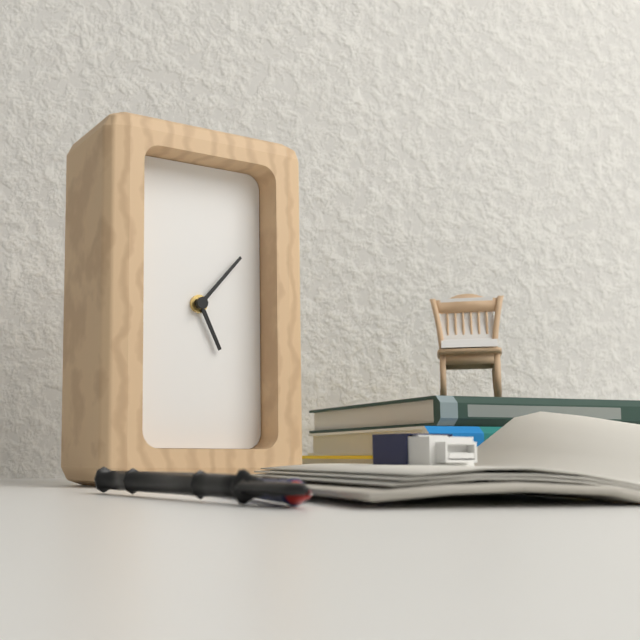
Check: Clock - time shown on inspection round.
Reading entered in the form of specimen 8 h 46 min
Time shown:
5 h 07 min
